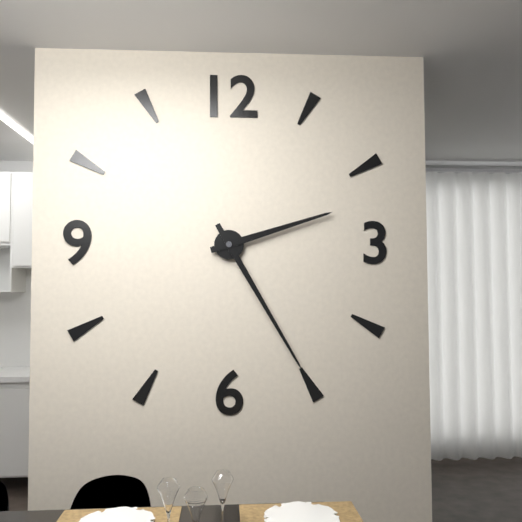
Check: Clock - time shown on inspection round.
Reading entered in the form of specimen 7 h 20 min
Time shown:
2 h 25 min
